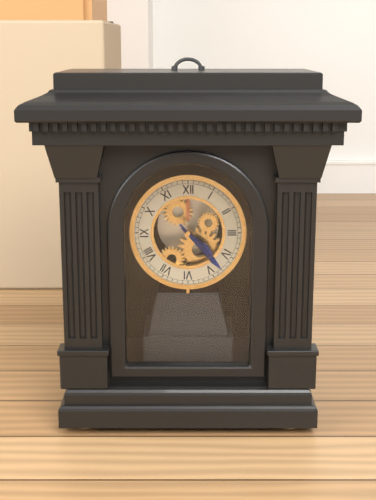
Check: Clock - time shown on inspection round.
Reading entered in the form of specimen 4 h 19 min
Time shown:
4 h 23 min
